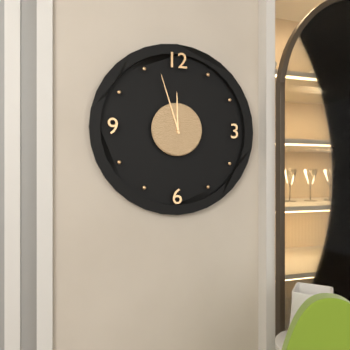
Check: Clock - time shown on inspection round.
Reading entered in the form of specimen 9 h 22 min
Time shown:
11 h 57 min
